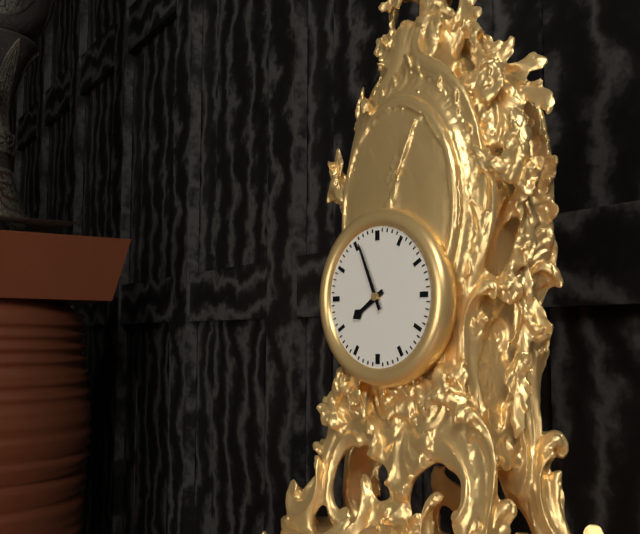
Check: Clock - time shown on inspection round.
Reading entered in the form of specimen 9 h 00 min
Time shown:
7 h 56 min
